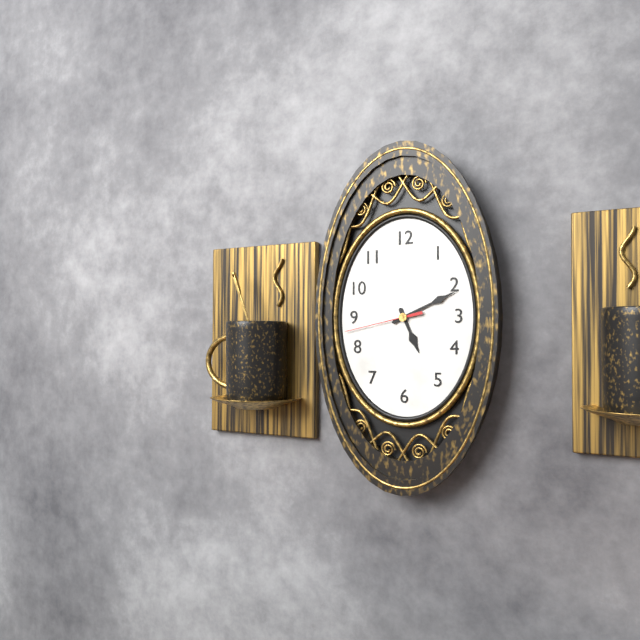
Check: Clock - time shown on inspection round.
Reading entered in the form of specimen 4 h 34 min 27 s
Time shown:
5 h 11 min 43 s
